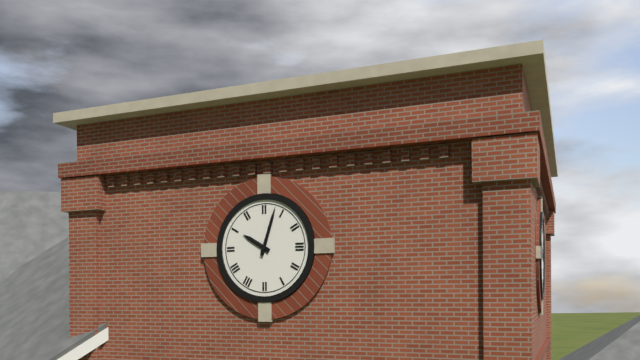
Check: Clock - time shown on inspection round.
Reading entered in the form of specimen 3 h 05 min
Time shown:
10 h 03 min
